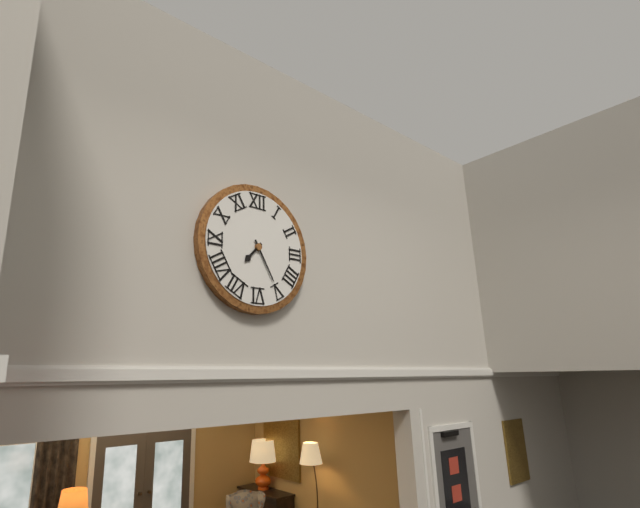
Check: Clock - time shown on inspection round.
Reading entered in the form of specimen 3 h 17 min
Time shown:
7 h 25 min
